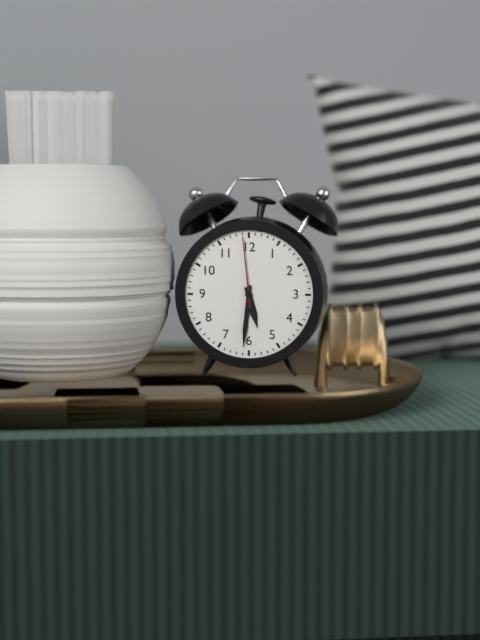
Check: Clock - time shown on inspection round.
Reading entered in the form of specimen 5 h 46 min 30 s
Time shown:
5 h 31 min 59 s
